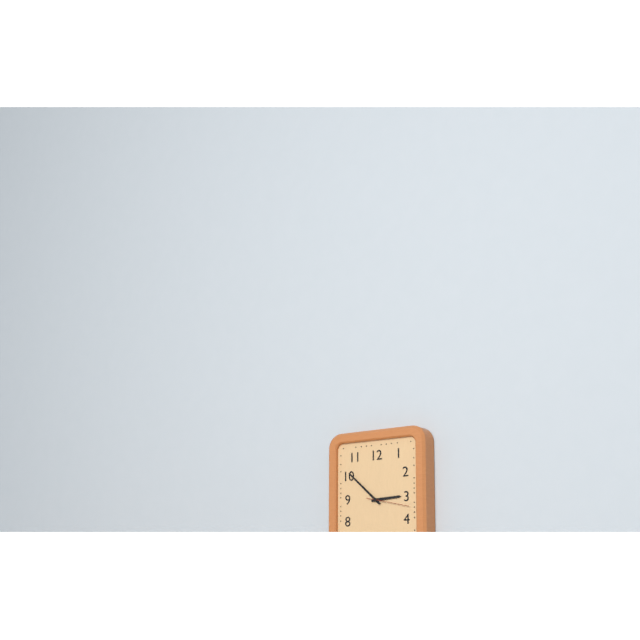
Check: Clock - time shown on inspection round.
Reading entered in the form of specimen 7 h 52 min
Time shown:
2 h 52 min
